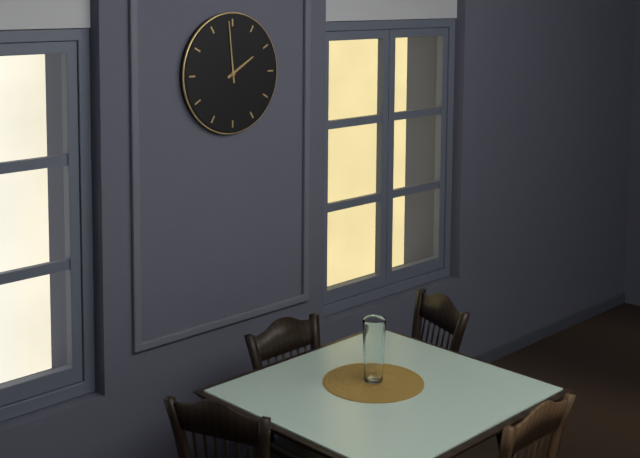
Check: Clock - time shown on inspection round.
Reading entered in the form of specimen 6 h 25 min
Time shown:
1 h 59 min
